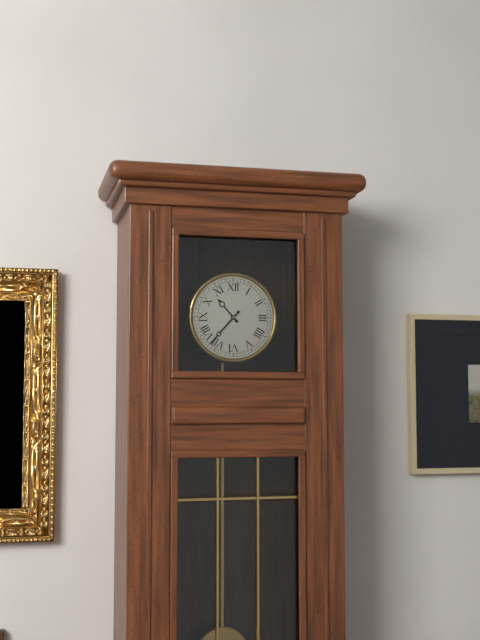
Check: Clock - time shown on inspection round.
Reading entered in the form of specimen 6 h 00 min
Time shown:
10 h 37 min
